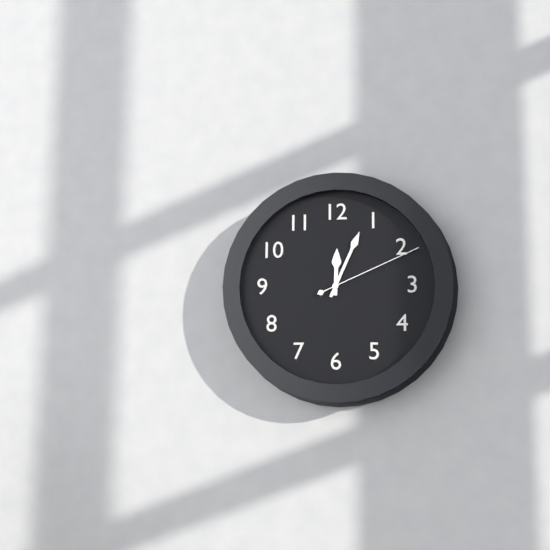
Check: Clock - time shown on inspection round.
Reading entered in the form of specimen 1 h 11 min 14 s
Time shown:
12 h 04 min 11 s
